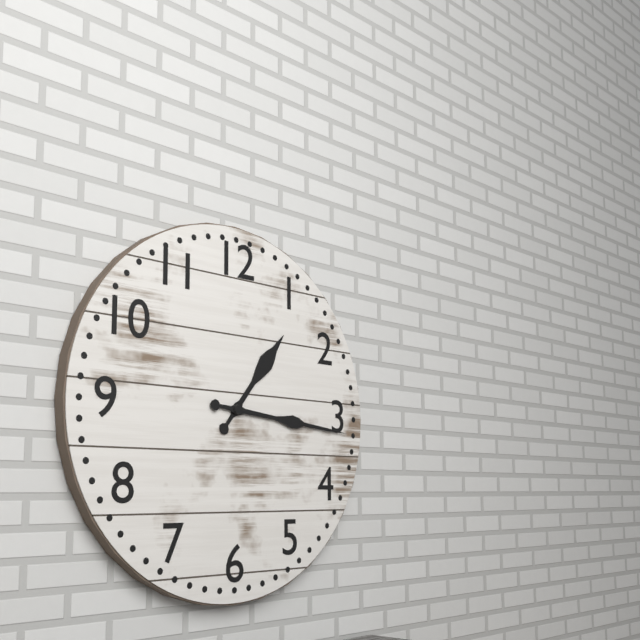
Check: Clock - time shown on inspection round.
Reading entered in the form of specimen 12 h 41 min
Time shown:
1 h 16 min
